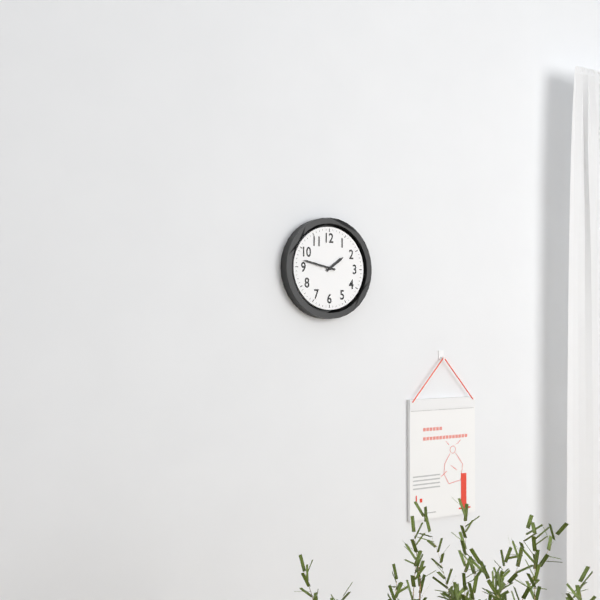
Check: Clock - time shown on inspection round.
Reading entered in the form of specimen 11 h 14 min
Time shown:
1 h 47 min
